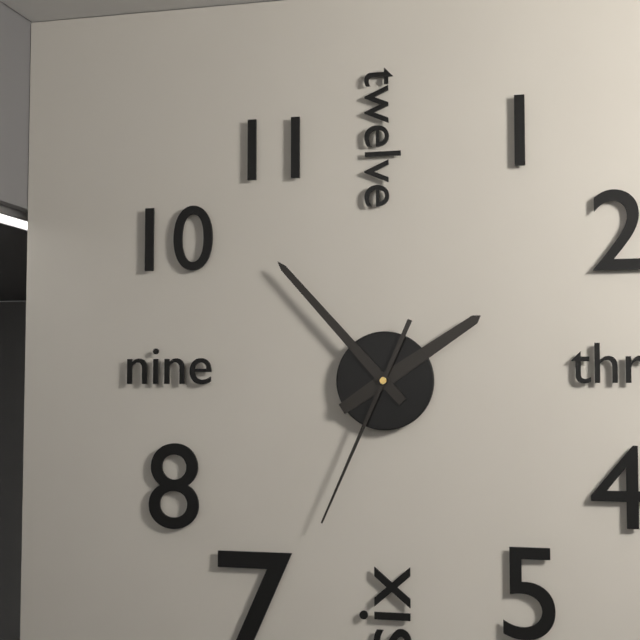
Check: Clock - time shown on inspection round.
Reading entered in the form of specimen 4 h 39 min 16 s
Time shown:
1 h 53 min 34 s
